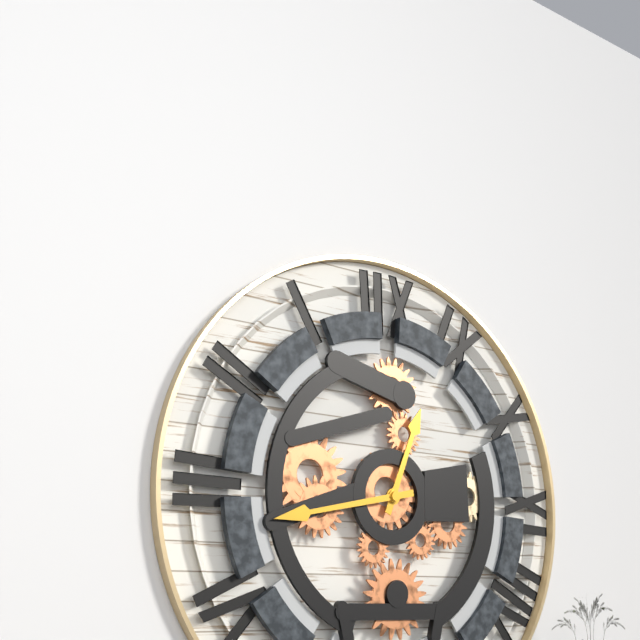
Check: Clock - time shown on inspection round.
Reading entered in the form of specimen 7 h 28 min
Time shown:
12 h 43 min
